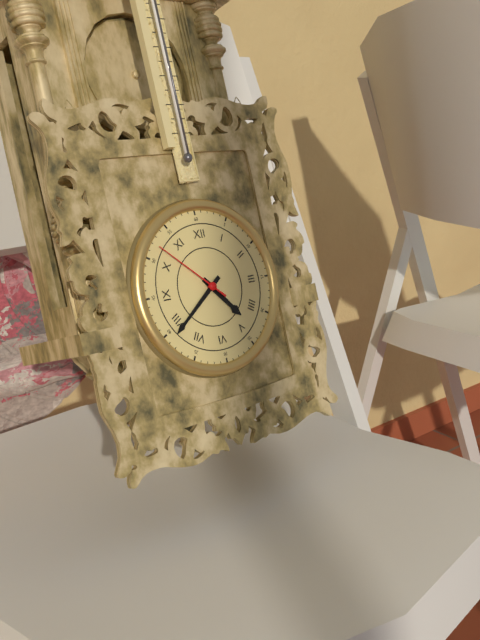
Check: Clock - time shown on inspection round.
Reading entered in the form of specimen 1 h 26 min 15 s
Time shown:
4 h 39 min 52 s
